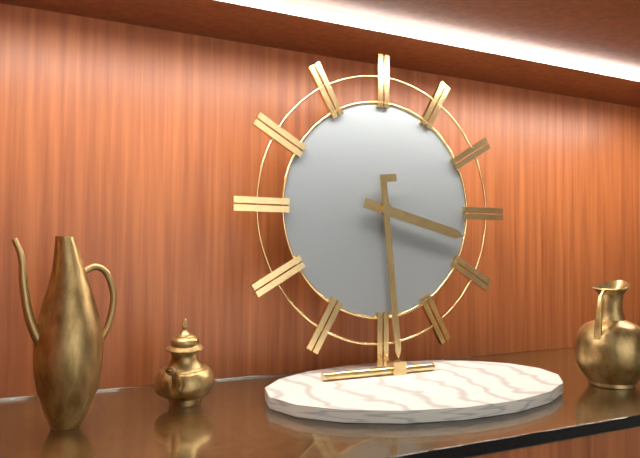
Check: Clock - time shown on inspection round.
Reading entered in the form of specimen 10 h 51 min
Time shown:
3 h 29 min
